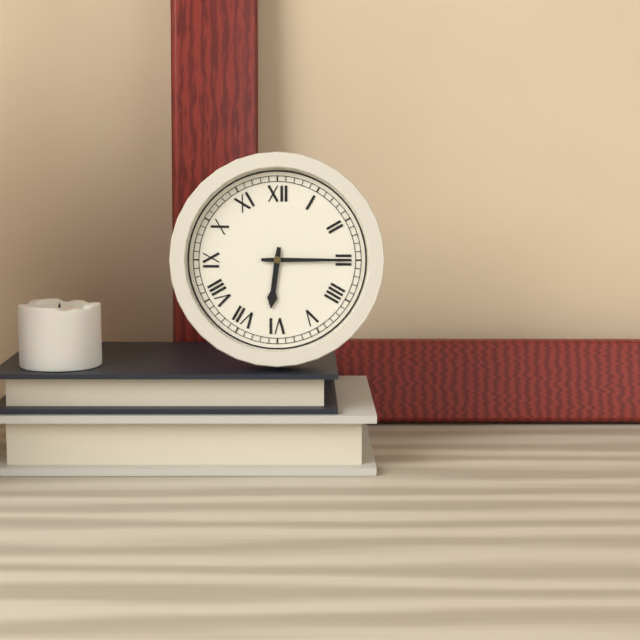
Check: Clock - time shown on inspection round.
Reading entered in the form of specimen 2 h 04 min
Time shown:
6 h 15 min
